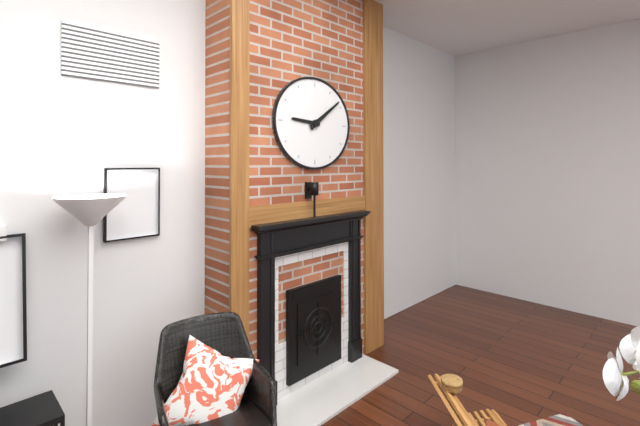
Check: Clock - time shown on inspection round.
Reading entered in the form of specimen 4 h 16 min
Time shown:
9 h 09 min
